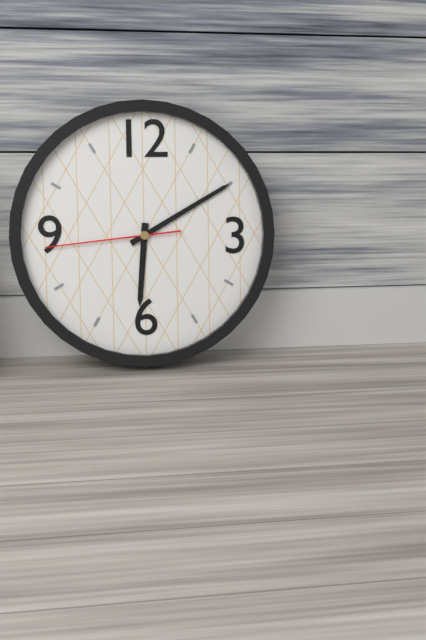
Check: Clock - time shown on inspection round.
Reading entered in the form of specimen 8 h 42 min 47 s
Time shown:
6 h 10 min 44 s
